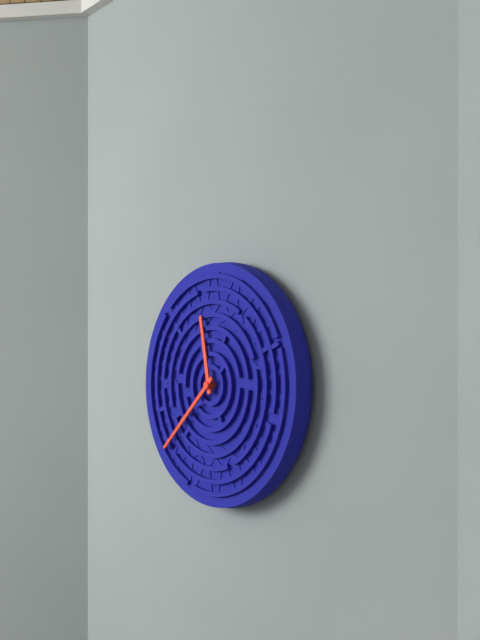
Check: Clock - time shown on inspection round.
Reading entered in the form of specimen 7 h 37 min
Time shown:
11 h 38 min
